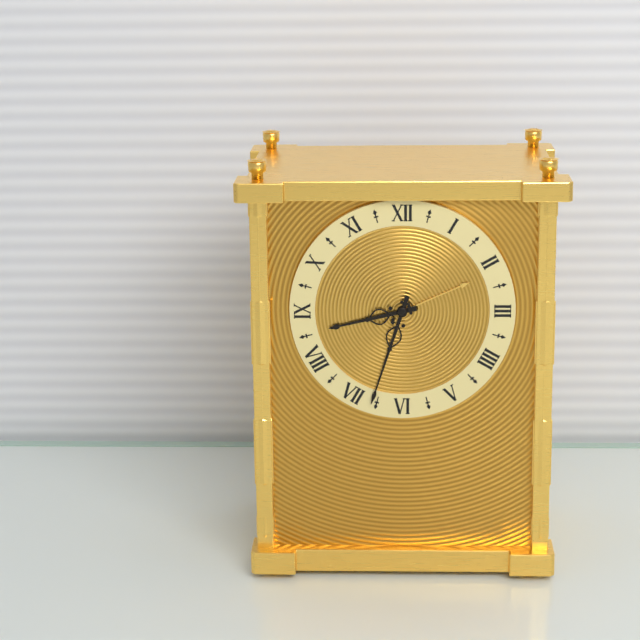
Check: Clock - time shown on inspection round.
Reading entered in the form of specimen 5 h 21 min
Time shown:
8 h 33 min
